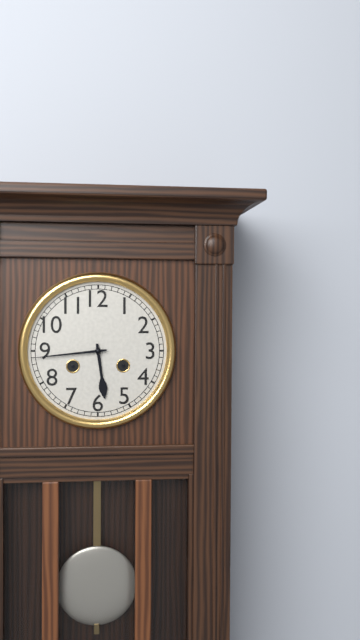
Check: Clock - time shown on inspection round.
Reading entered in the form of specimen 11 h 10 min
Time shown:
5 h 44 min
